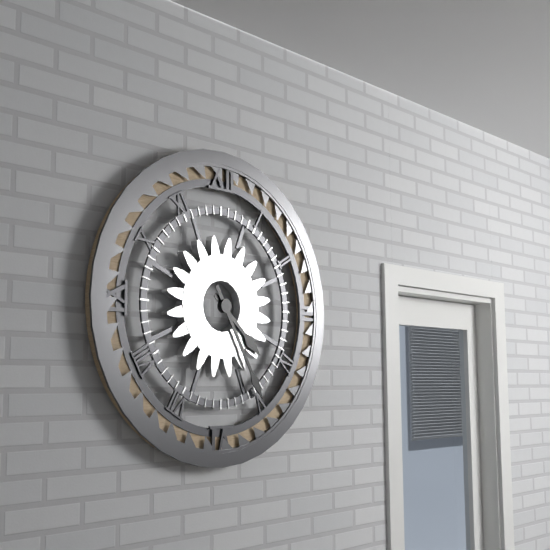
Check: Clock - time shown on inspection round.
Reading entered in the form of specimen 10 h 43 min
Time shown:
4 h 25 min
